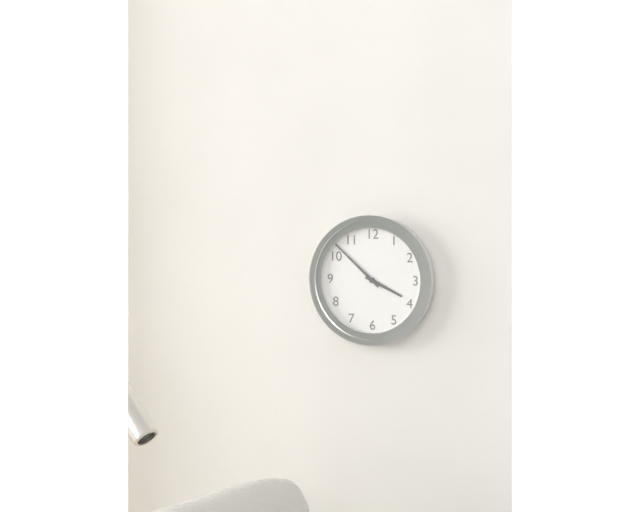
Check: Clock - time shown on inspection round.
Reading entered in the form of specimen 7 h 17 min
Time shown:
3 h 52 min
